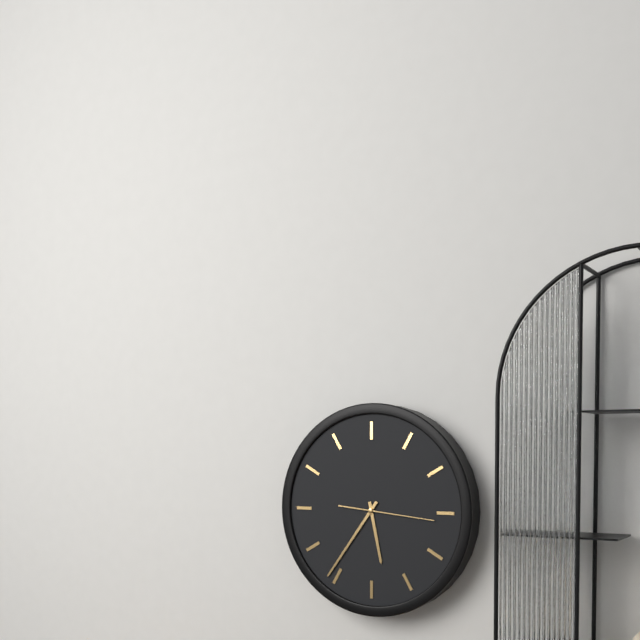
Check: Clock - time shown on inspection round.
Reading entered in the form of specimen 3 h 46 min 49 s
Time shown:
5 h 36 min 16 s
